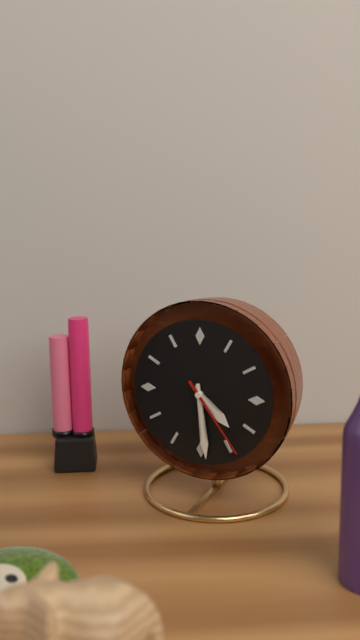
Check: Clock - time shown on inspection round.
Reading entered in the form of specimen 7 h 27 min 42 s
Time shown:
4 h 29 min 24 s
